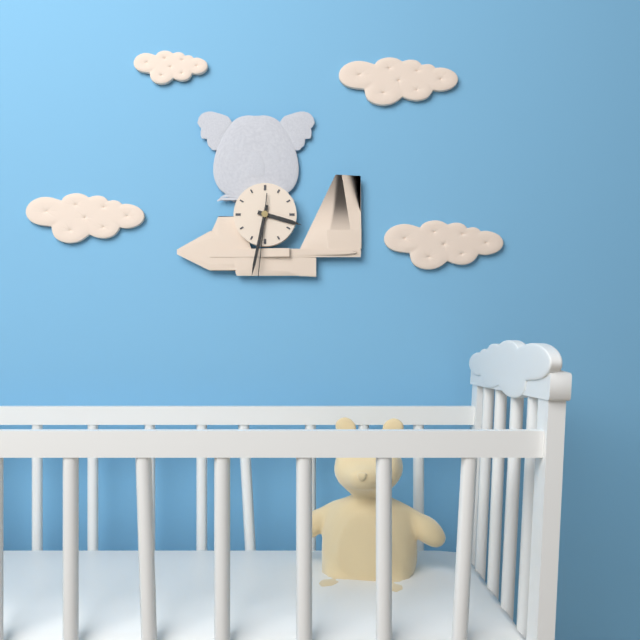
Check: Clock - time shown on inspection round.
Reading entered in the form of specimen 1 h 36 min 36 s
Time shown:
3 h 32 min 31 s
